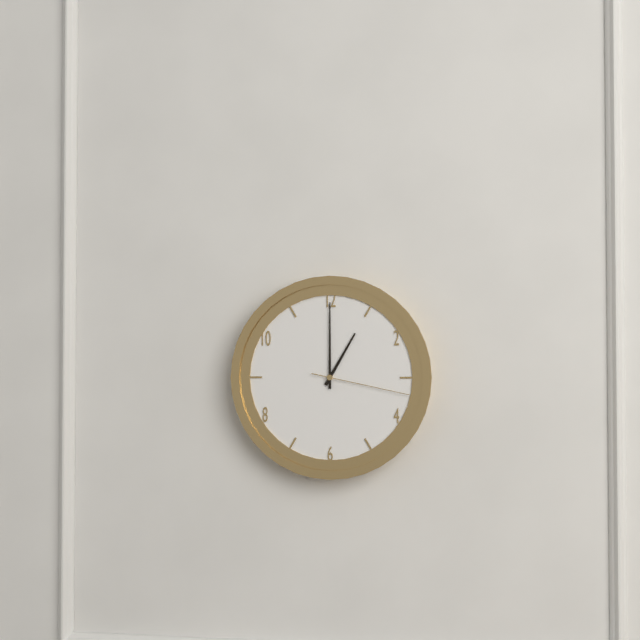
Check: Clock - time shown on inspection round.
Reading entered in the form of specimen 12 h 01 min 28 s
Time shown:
1 h 00 min 17 s
